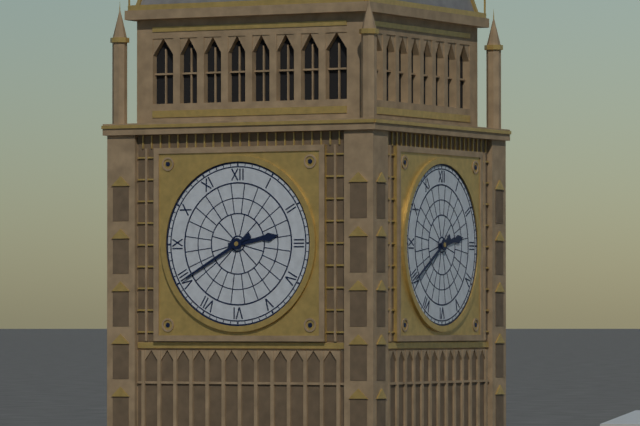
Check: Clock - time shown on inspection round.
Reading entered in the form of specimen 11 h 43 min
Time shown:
2 h 40 min
